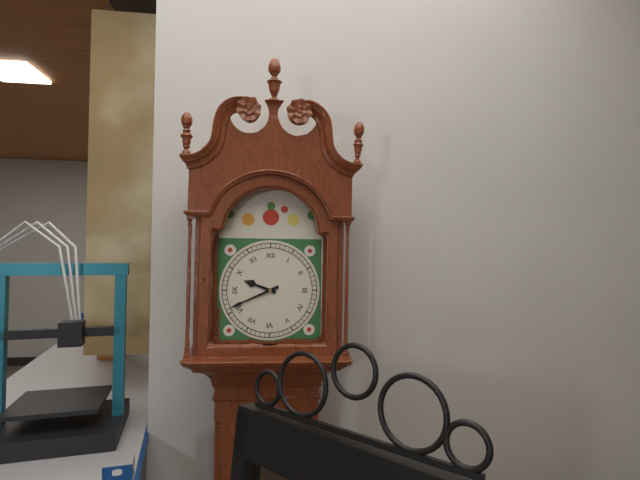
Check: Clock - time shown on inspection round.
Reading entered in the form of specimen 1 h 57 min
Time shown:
9 h 41 min
